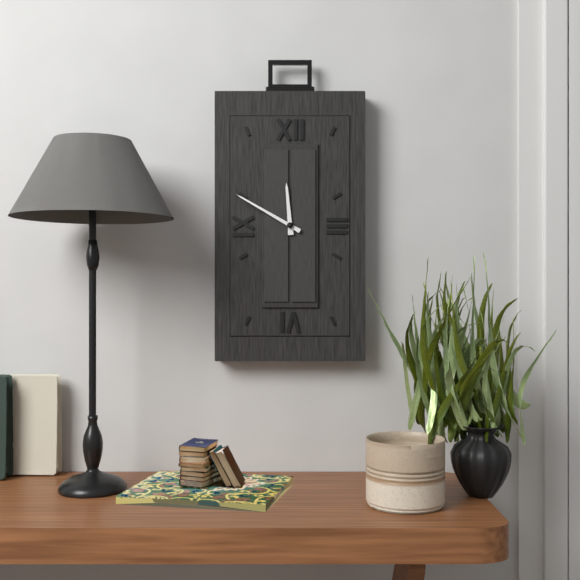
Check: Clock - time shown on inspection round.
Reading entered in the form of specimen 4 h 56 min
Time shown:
11 h 50 min
